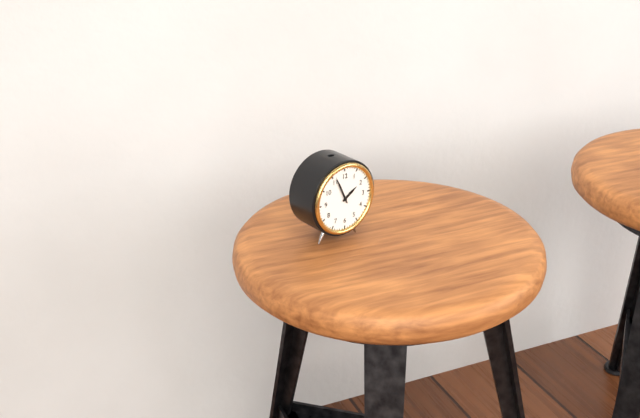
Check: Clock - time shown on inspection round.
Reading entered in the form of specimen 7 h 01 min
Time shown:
1 h 56 min
